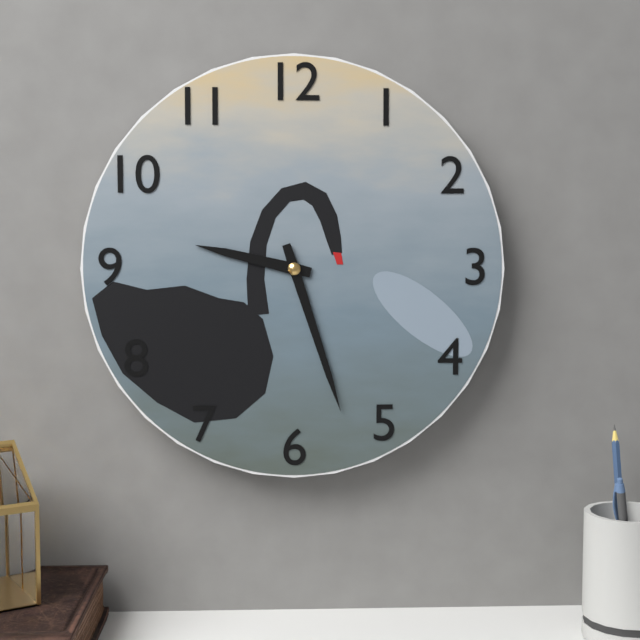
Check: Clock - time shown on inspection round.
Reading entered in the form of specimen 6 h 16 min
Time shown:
9 h 27 min
